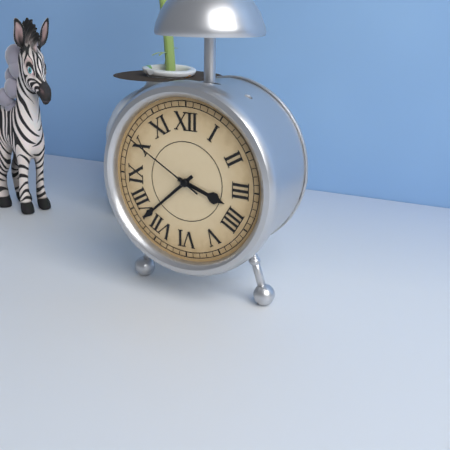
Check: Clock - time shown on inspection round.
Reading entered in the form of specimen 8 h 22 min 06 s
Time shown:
3 h 38 min 50 s
